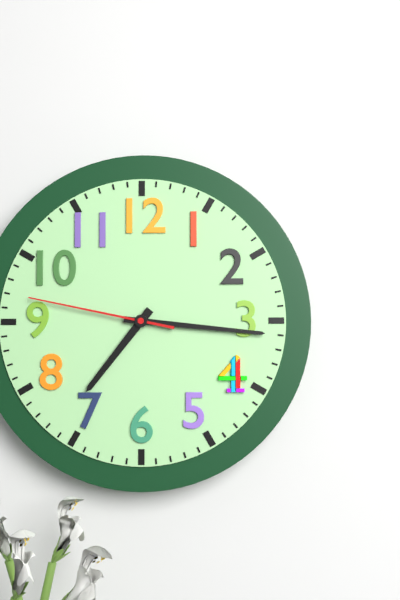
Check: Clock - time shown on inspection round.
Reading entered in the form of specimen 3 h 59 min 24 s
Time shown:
7 h 16 min 47 s
